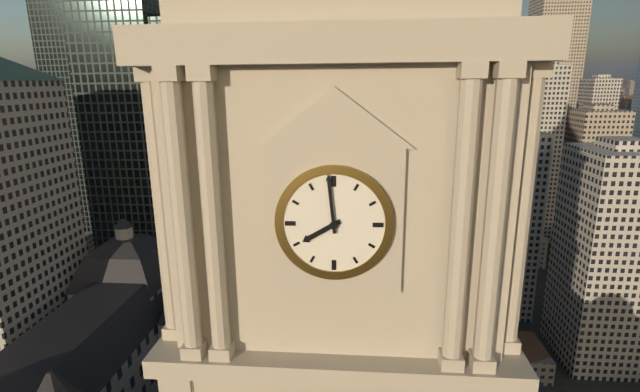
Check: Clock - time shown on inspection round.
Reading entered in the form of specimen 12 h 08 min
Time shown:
7 h 59 min
